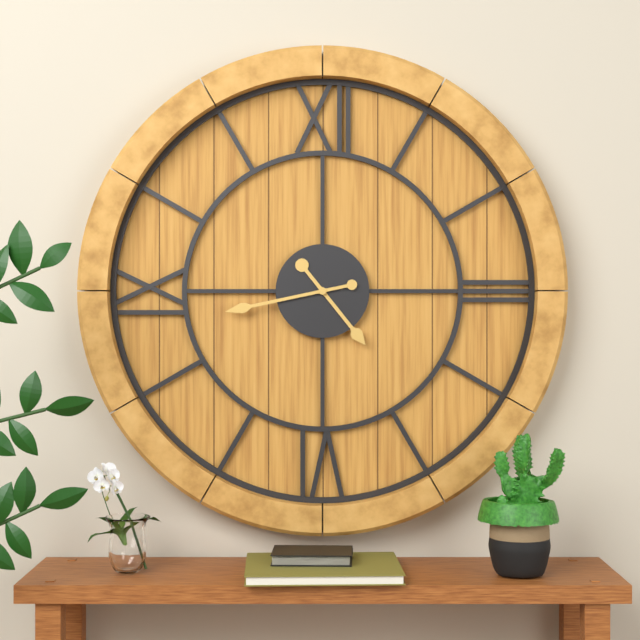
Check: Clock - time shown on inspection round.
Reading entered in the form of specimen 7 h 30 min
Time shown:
4 h 43 min
